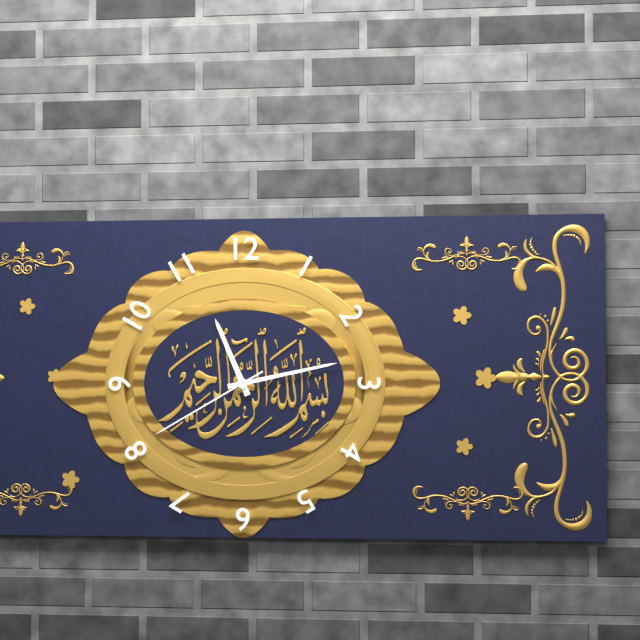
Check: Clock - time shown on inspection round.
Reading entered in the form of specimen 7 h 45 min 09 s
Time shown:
11 h 13 min 40 s
